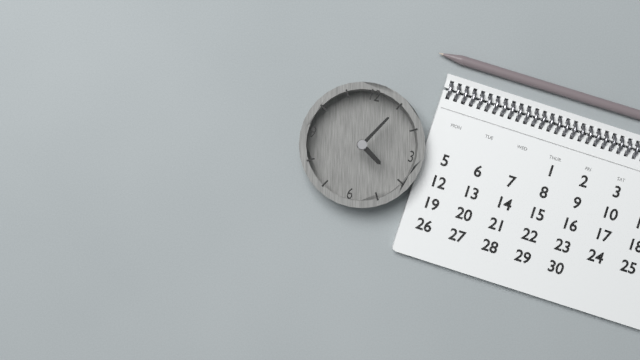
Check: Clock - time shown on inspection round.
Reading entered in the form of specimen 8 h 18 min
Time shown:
4 h 05 min
